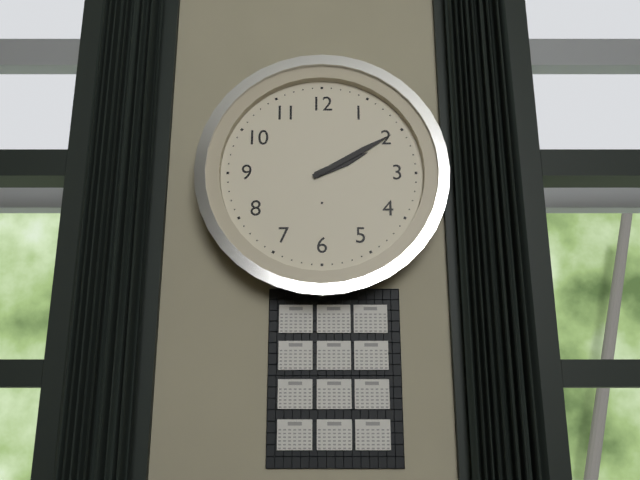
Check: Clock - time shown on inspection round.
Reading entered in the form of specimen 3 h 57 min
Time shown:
2 h 10 min
